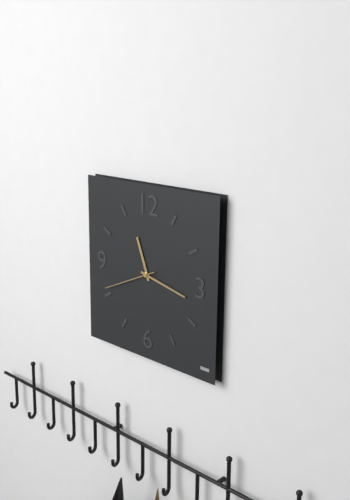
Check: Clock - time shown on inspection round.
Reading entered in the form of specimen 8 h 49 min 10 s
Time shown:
11 h 17 min 41 s
